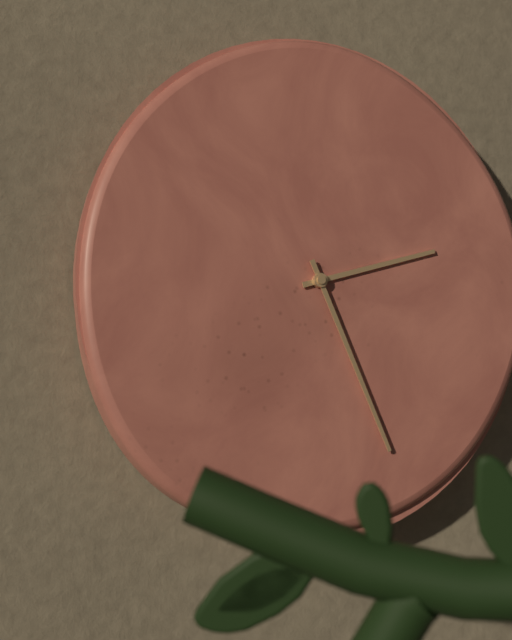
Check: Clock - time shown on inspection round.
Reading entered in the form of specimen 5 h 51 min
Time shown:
2 h 26 min
